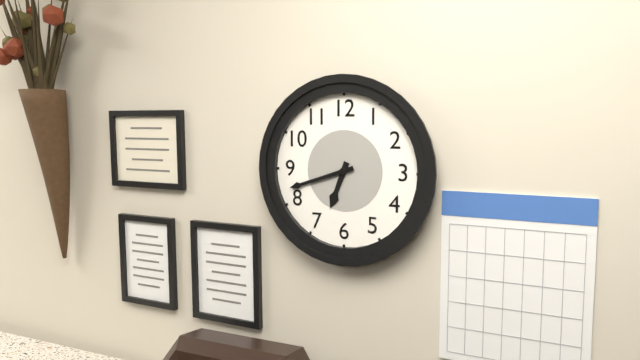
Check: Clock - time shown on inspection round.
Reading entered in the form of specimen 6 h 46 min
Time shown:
6 h 42 min
